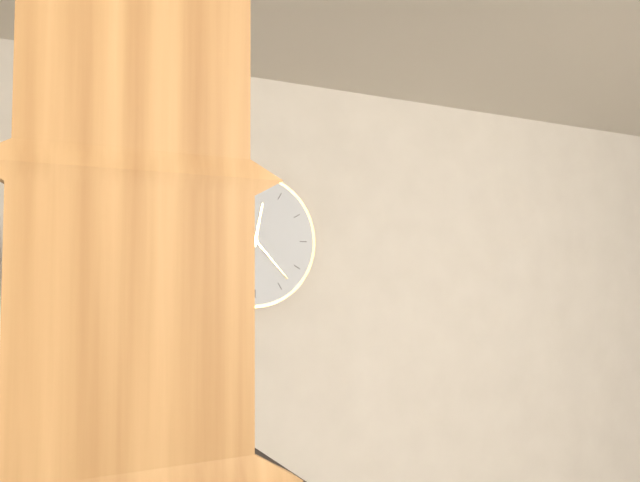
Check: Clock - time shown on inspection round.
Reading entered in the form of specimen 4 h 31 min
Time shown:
12 h 23 min
